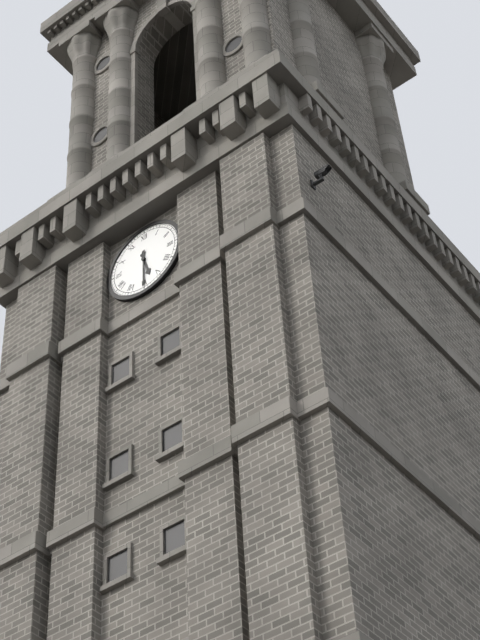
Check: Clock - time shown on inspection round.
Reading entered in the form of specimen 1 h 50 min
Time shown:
5 h 30 min
